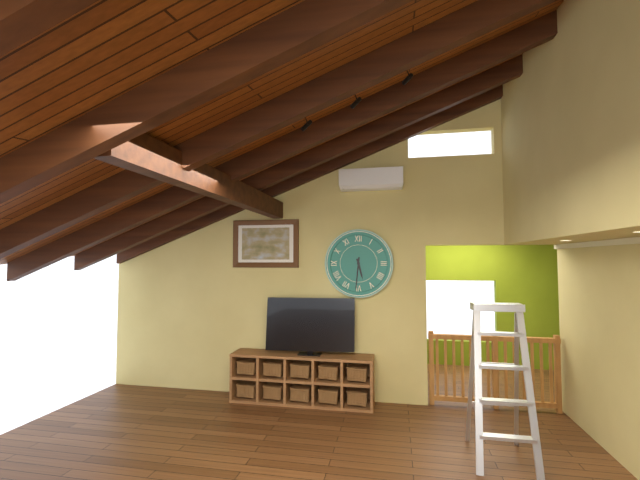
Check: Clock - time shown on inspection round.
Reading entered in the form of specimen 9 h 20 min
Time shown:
5 h 31 min
